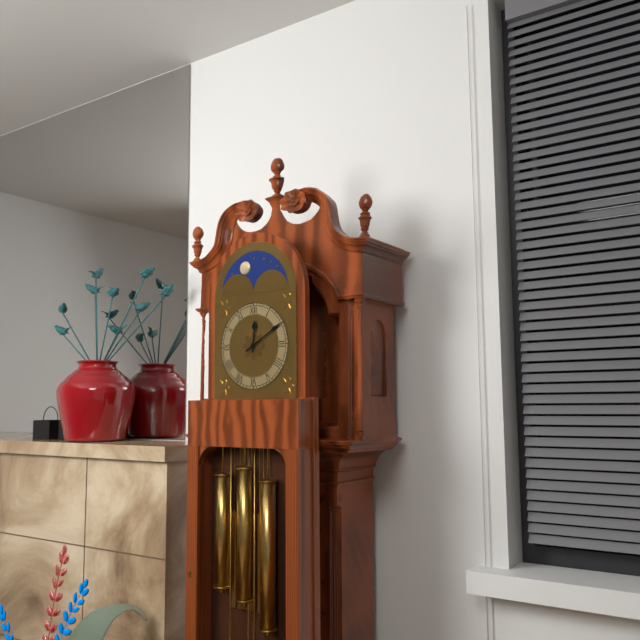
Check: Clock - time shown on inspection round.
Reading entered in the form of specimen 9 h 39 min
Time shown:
12 h 10 min
